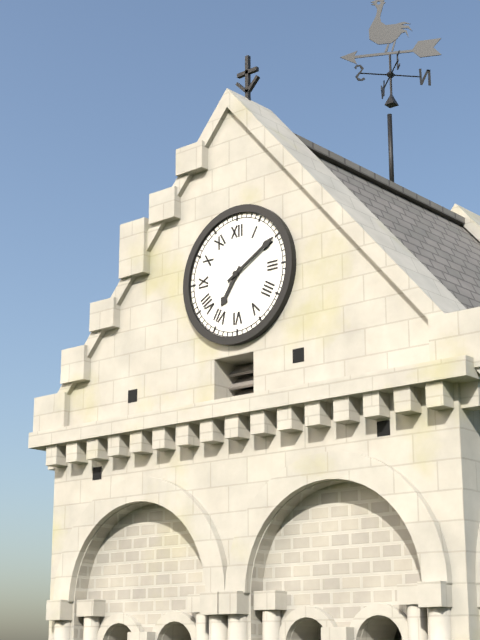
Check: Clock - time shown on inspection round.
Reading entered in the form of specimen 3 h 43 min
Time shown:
7 h 10 min
